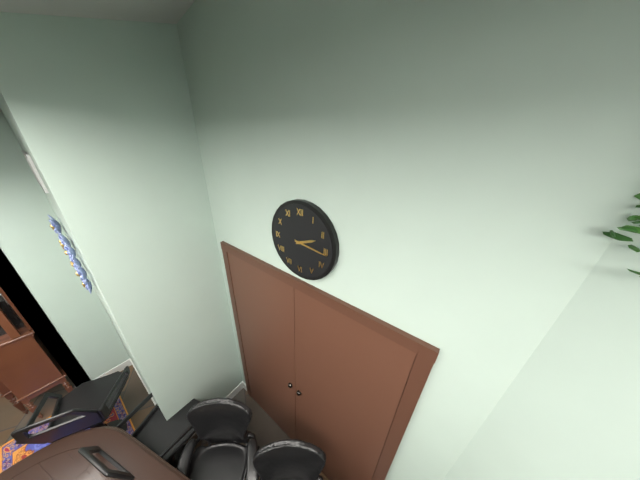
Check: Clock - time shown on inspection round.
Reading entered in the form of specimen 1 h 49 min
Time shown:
2 h 16 min
